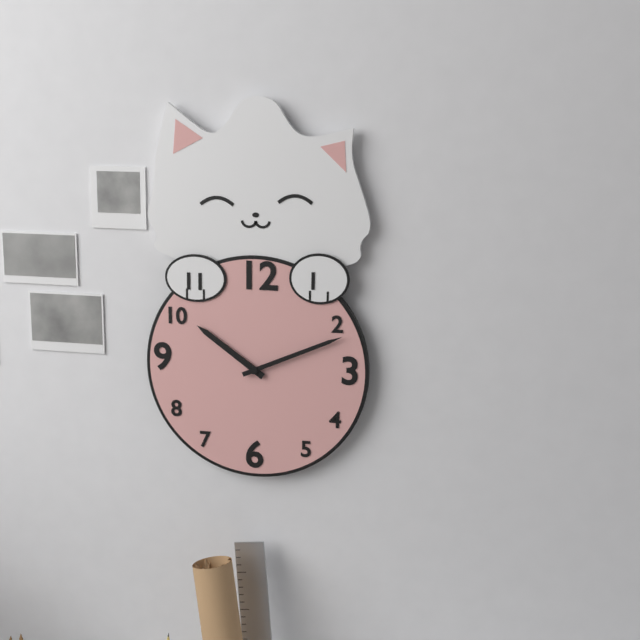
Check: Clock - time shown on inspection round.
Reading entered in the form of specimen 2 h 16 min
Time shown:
10 h 11 min
